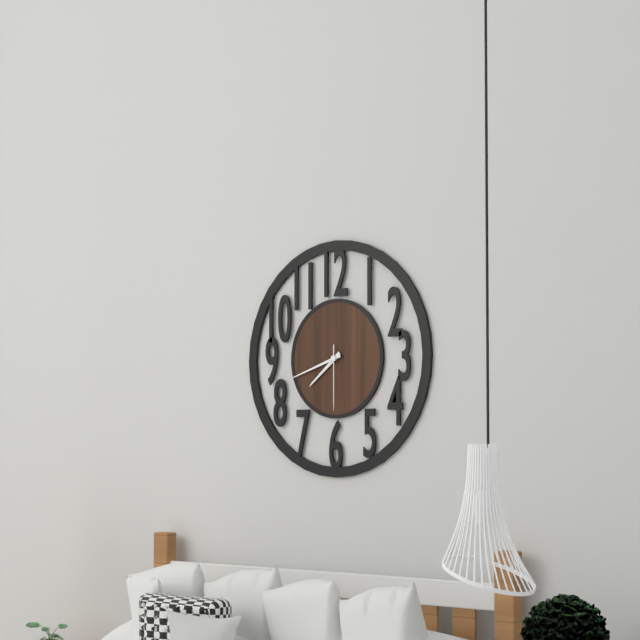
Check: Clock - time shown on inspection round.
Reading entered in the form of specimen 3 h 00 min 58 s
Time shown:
7 h 42 min 30 s
